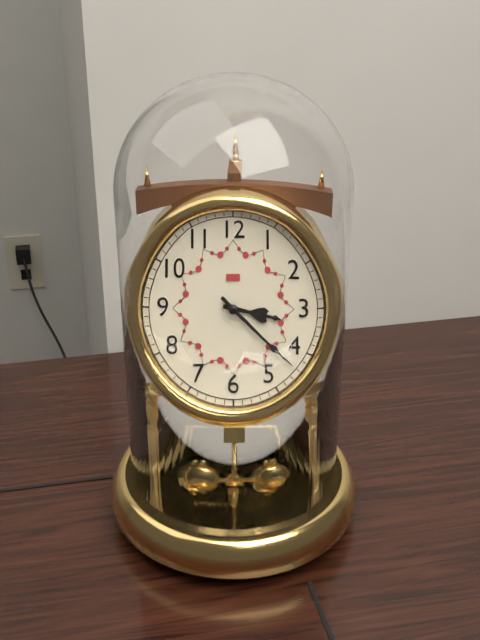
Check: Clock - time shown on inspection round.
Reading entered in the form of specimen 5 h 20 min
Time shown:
3 h 22 min
